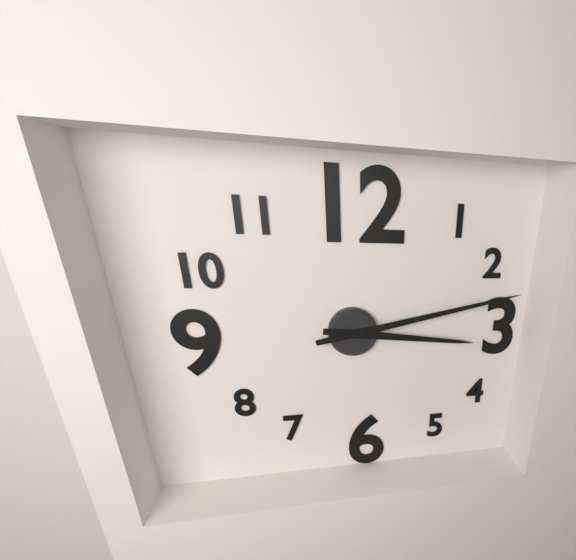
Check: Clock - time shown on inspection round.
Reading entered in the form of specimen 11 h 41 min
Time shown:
3 h 13 min
